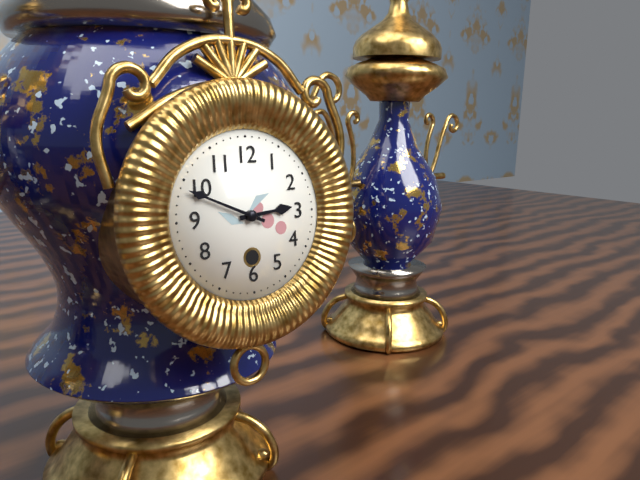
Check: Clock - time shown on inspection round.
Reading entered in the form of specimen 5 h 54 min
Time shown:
2 h 49 min
